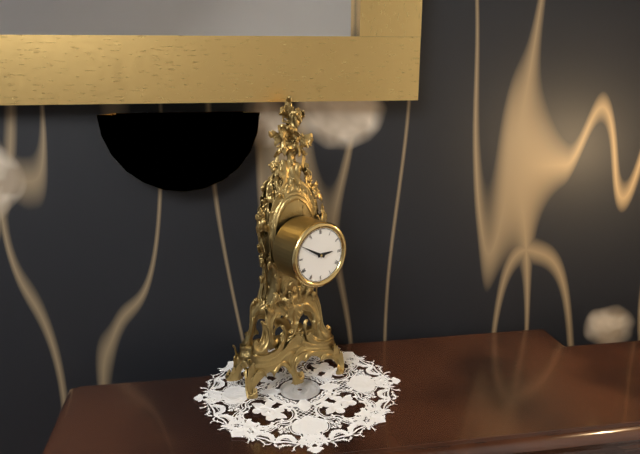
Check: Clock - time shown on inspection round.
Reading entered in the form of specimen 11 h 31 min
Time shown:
2 h 50 min
